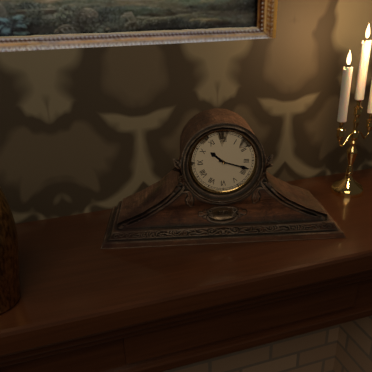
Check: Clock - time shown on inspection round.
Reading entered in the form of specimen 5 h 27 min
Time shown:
10 h 18 min
